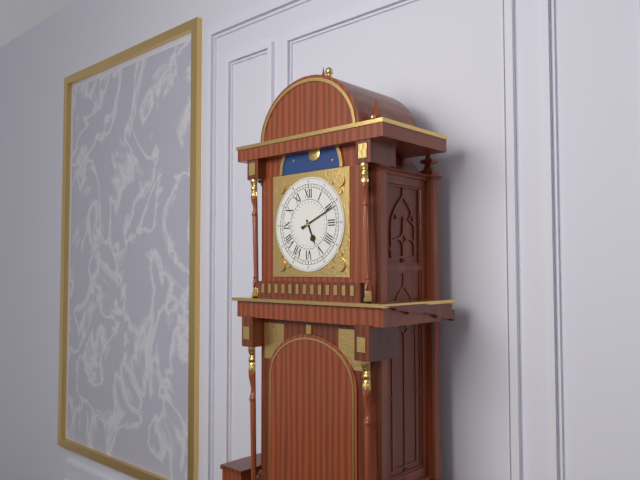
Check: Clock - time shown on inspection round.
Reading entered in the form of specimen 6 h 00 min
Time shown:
5 h 11 min
